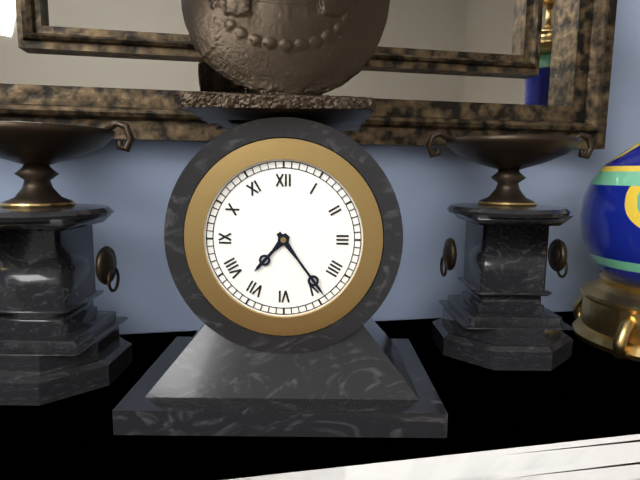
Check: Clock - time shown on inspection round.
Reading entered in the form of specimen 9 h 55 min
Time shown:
7 h 24 min
